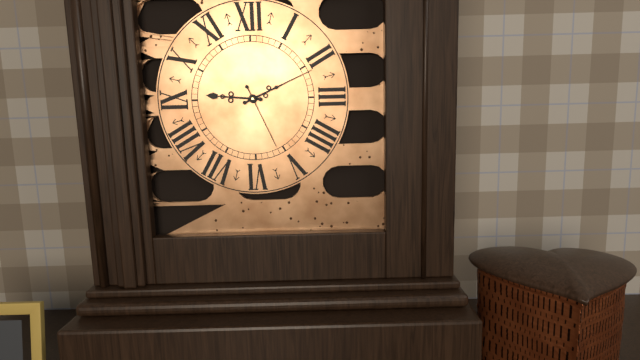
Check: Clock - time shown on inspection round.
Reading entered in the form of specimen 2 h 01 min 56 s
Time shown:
9 h 11 min 26 s
